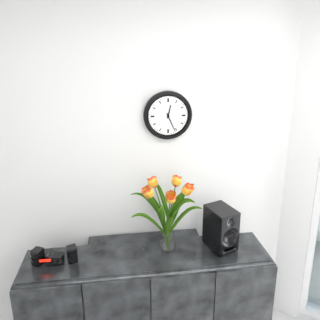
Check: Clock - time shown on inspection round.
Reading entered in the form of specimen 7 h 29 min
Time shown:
12 h 26 min
